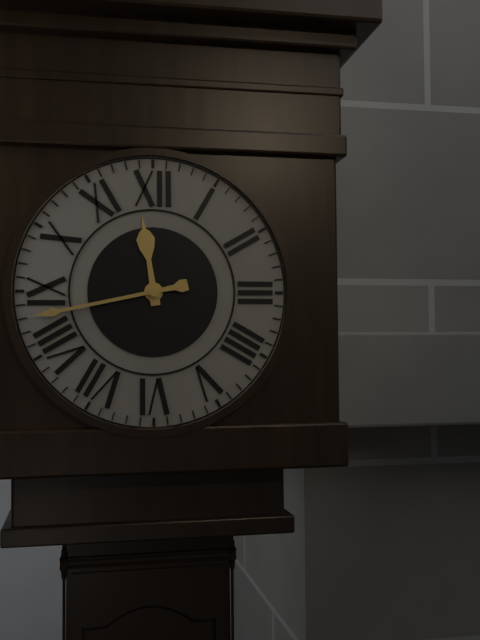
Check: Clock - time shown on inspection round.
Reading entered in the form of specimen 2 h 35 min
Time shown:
11 h 43 min
